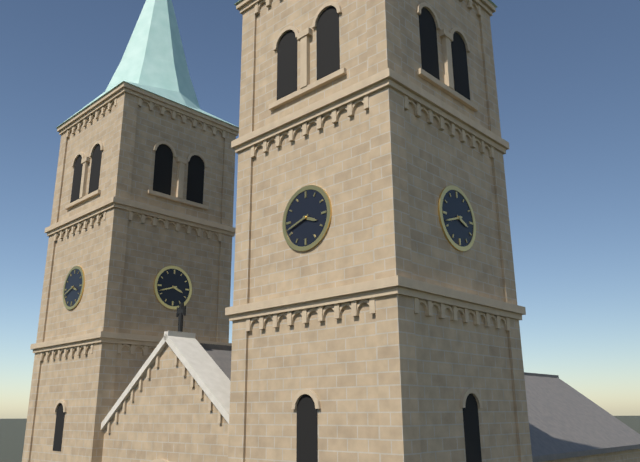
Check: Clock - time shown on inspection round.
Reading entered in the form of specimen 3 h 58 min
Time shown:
3 h 42 min
